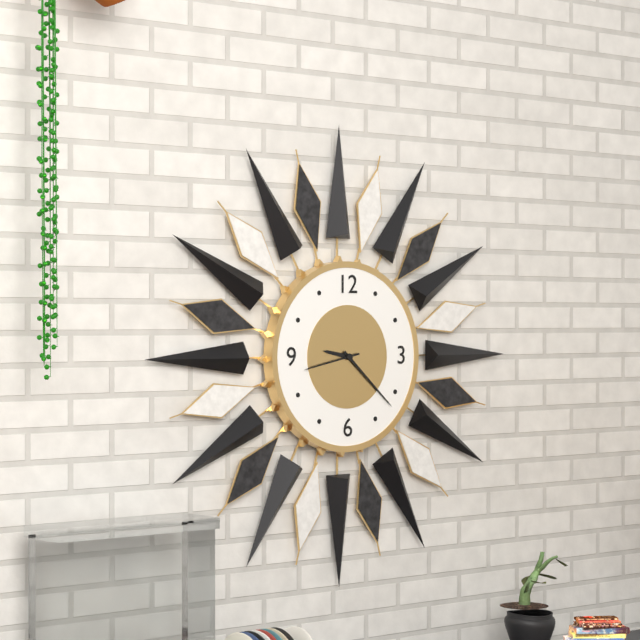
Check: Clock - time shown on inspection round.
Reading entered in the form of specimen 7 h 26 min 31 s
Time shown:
9 h 22 min 43 s
